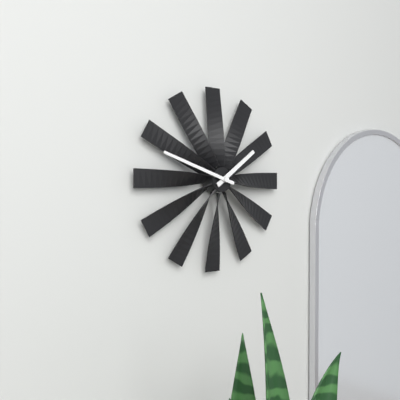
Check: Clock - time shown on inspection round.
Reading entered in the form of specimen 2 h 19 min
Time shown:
1 h 48 min
